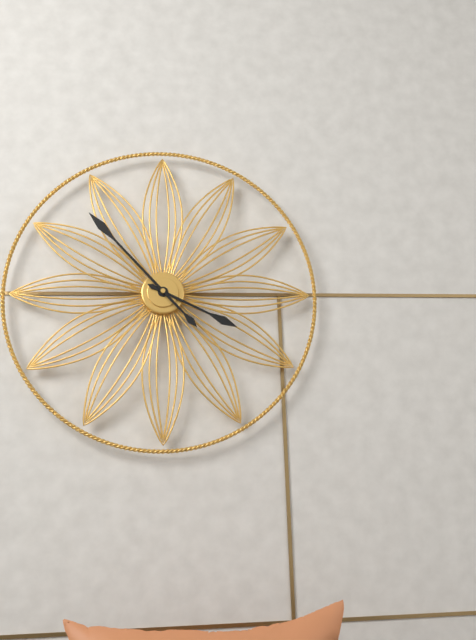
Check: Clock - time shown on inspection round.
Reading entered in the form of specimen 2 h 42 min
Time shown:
3 h 53 min
